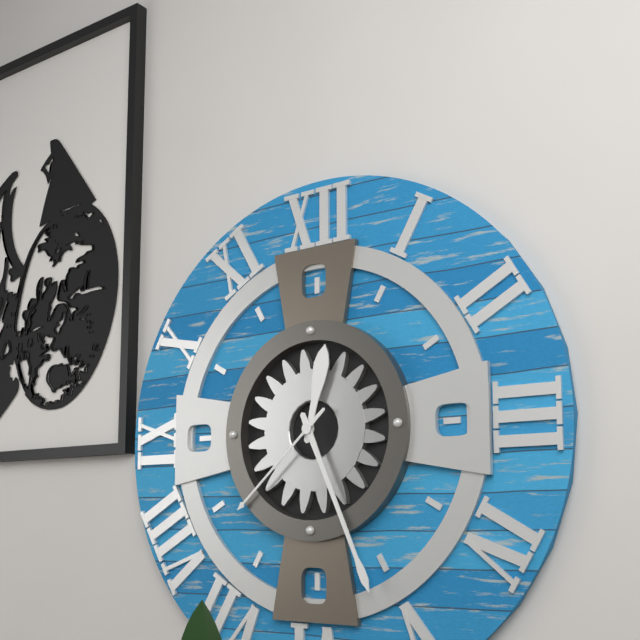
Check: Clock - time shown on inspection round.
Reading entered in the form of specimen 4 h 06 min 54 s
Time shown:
12 h 26 min 38 s
